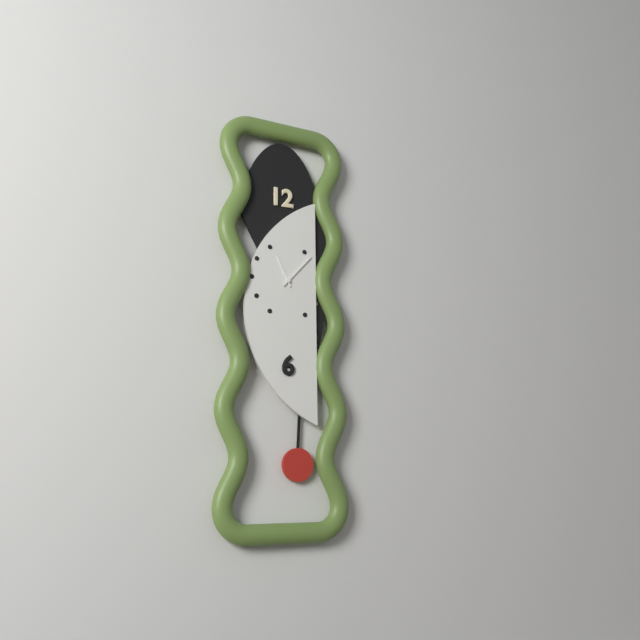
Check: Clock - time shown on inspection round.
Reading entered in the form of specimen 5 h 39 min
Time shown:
11 h 07 min
